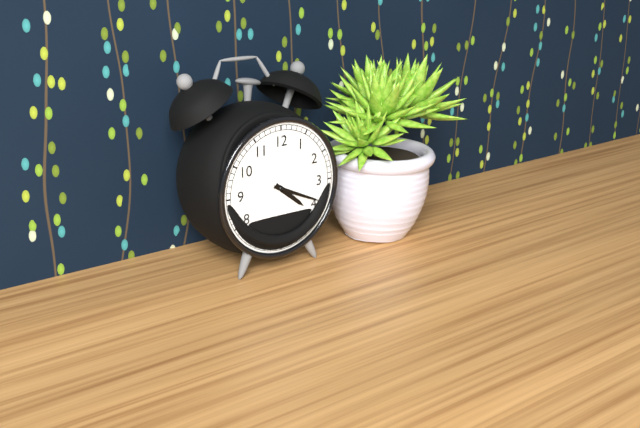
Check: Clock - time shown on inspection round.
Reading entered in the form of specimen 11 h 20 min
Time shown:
4 h 19 min
